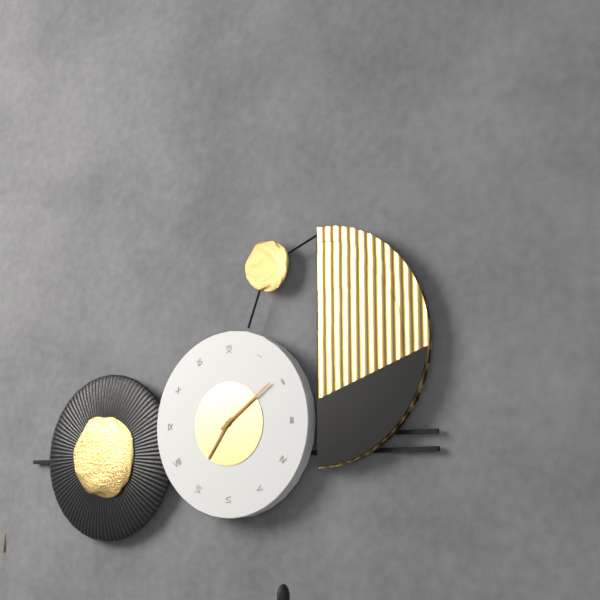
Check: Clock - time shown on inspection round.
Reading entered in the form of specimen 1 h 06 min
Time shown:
7 h 09 min
